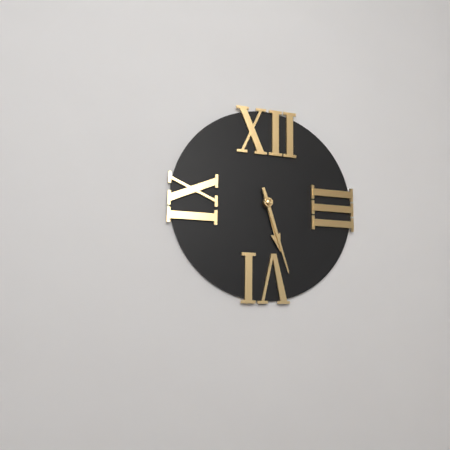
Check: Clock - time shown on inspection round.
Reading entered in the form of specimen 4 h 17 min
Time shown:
5 h 27 min
